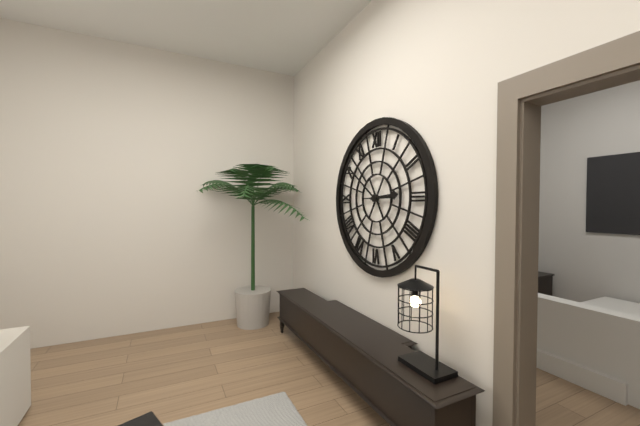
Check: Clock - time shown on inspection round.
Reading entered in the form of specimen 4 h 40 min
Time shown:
2 h 51 min
